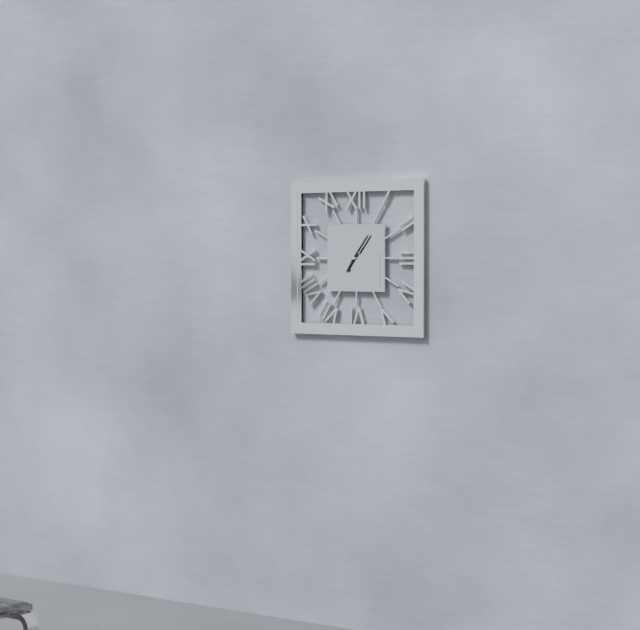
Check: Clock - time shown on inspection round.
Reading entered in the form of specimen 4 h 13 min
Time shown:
7 h 06 min
